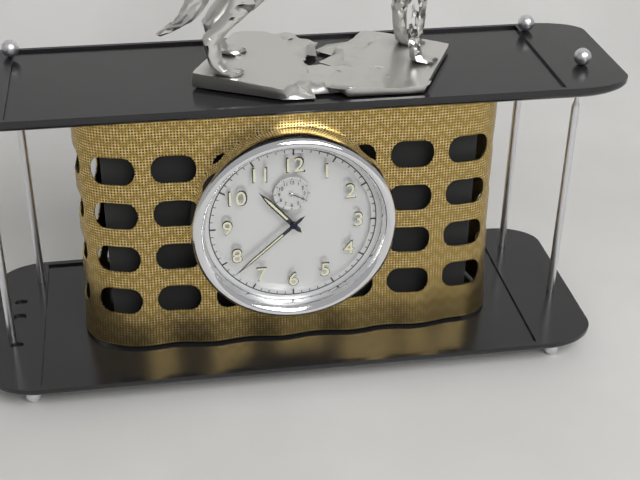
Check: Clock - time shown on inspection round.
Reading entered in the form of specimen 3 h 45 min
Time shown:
10 h 38 min
